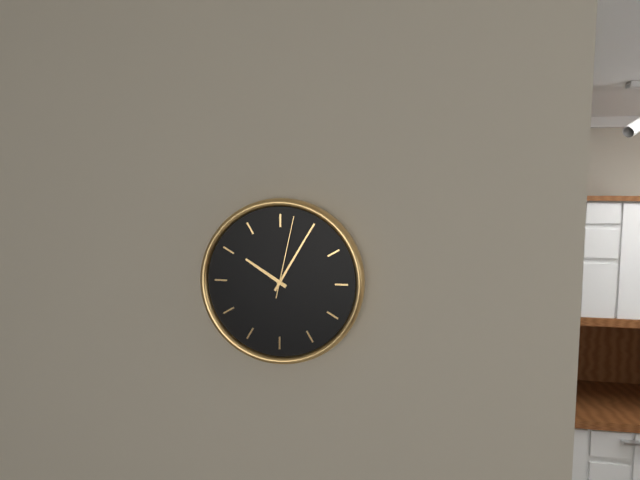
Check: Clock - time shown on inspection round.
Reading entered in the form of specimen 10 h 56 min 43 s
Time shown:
10 h 05 min 02 s
